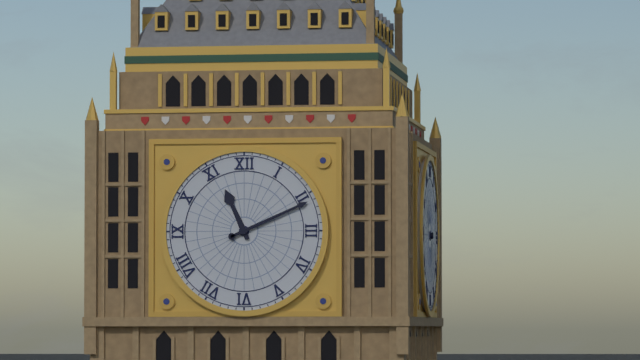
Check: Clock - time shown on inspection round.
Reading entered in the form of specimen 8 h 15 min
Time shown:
11 h 11 min
